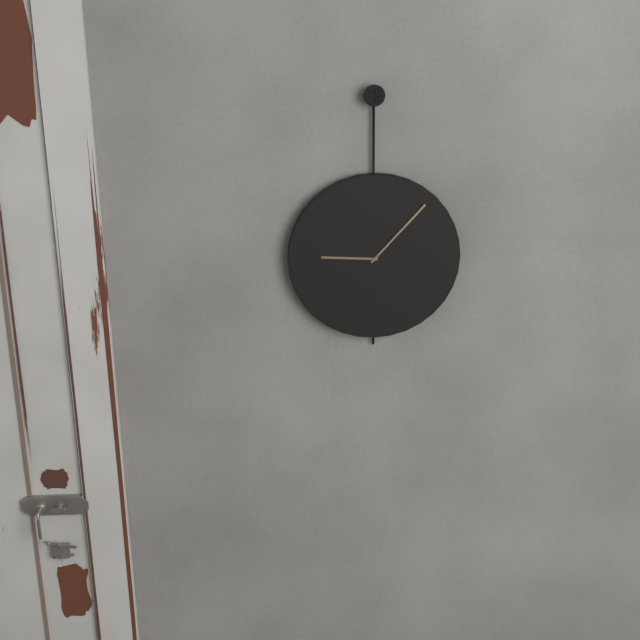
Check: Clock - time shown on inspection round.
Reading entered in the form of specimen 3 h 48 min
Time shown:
9 h 07 min
